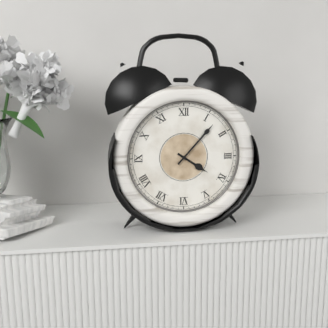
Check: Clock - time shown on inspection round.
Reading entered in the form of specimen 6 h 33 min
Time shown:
4 h 07 min
